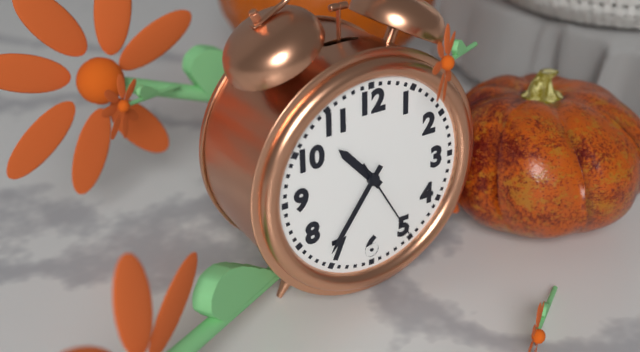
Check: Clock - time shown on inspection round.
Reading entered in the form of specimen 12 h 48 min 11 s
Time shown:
10 h 36 min 25 s
